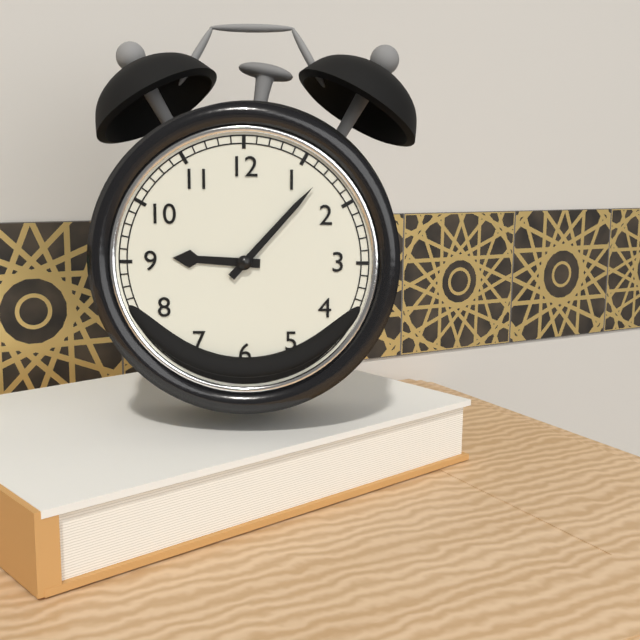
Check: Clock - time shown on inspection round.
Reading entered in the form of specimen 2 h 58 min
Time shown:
9 h 07 min
